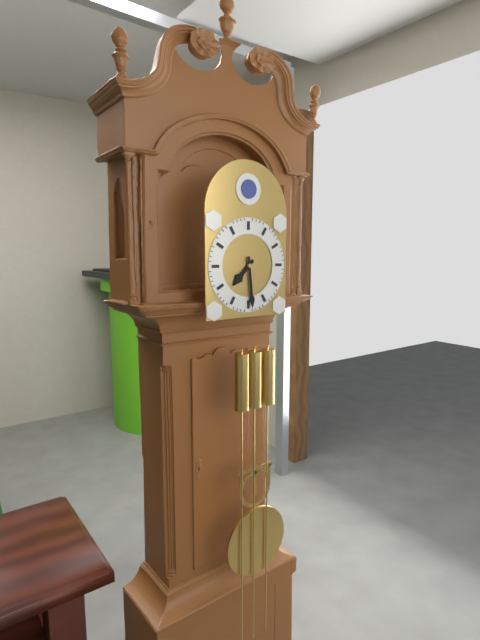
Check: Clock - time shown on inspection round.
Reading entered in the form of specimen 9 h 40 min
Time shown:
7 h 29 min
